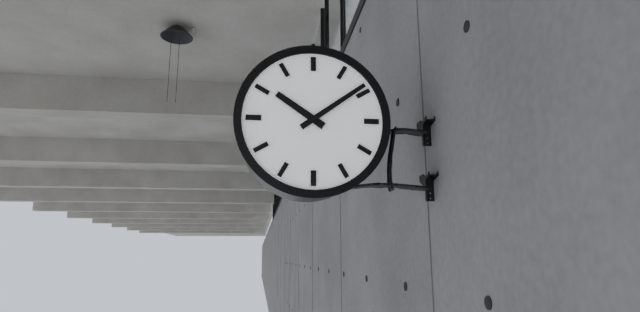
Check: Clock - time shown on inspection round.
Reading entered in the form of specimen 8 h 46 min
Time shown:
10 h 09 min
